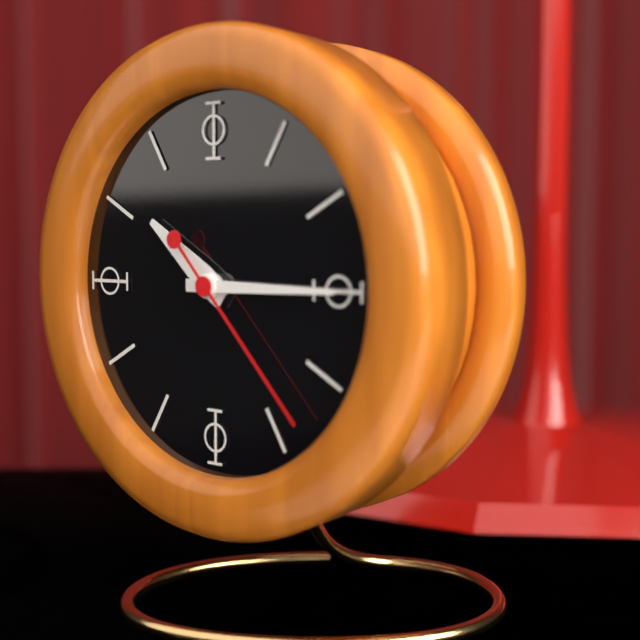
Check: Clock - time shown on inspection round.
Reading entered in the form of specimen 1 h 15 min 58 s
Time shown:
10 h 15 min 23 s
